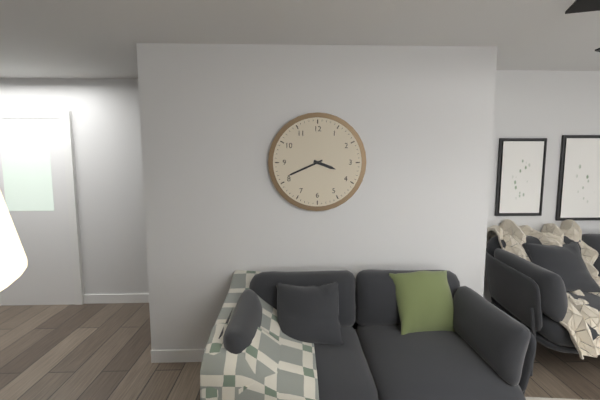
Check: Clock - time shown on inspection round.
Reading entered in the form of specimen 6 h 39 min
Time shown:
3 h 41 min
